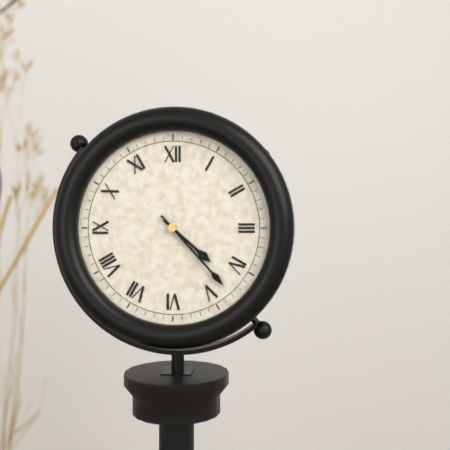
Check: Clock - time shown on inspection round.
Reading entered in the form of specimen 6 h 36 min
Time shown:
4 h 23 min
